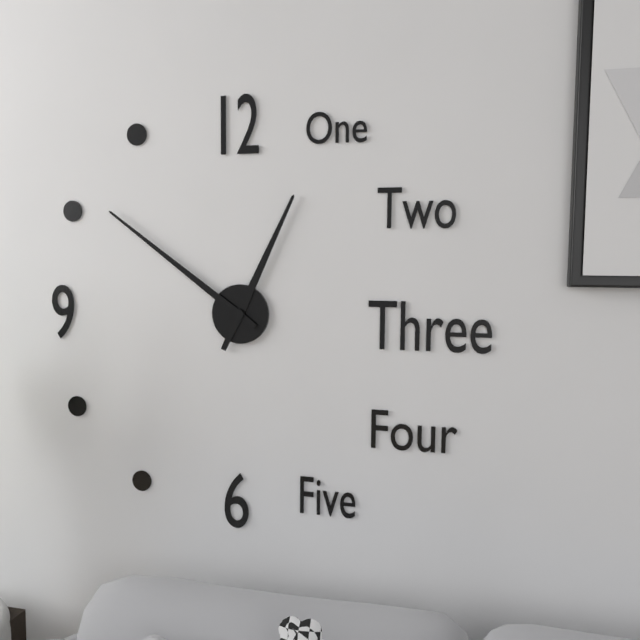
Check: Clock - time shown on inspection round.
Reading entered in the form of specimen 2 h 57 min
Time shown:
12 h 51 min
